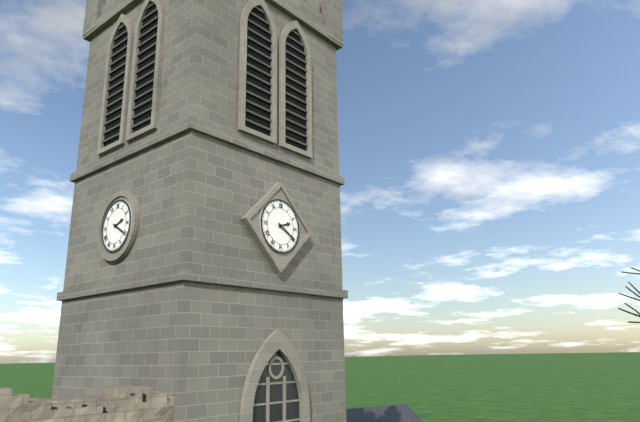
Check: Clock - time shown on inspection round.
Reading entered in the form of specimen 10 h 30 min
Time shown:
2 h 20 min
